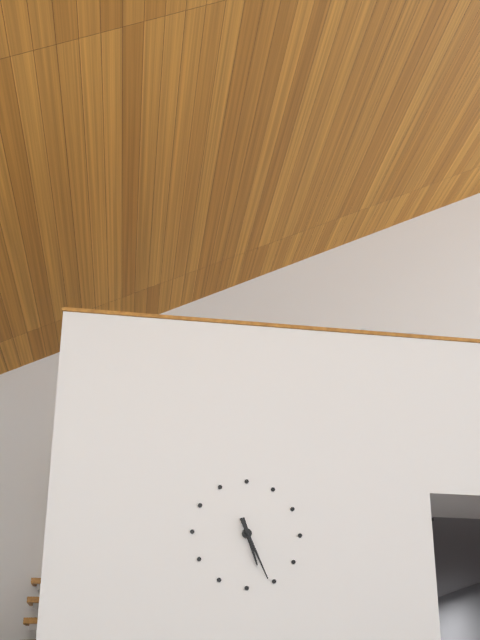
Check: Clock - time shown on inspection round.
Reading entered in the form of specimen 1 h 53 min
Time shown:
5 h 26 min
